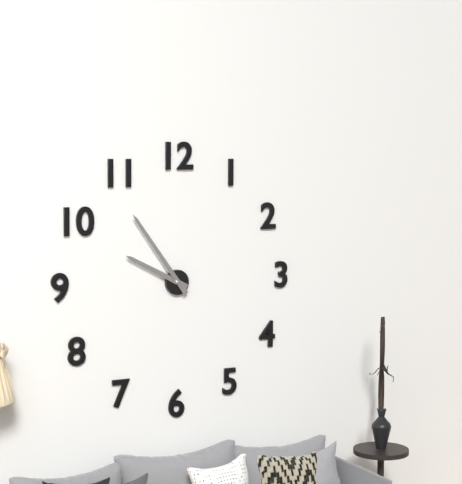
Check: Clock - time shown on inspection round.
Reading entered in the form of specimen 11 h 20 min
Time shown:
9 h 54 min
